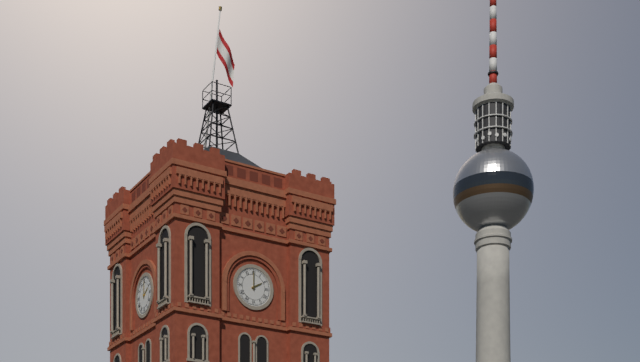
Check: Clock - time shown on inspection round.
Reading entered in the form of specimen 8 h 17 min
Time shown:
2 h 00 min
